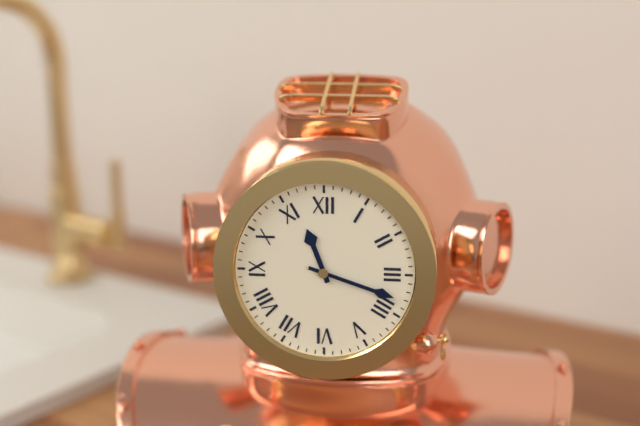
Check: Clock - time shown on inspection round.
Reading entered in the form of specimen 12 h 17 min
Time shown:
11 h 18 min
